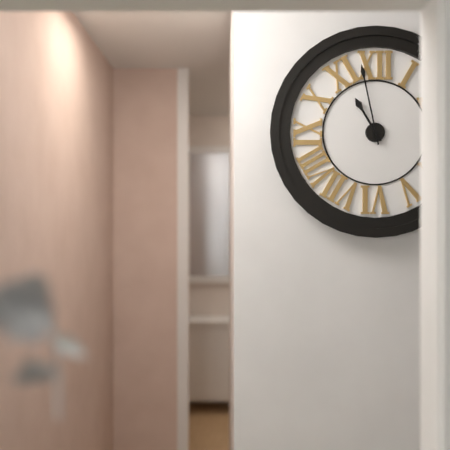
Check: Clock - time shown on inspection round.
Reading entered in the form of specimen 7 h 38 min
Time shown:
10 h 58 min
